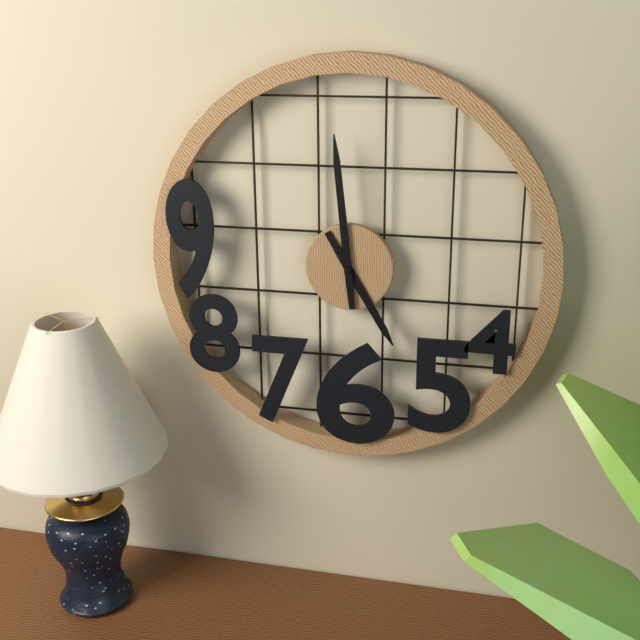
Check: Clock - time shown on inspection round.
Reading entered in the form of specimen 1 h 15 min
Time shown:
4 h 59 min
